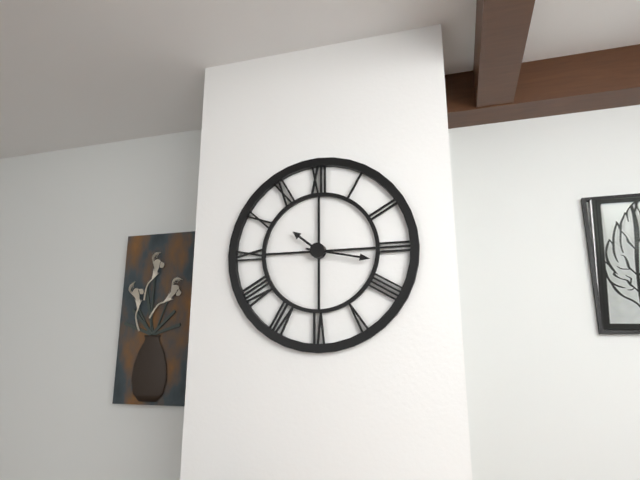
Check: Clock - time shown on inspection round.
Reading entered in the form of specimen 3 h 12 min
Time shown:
10 h 17 min
